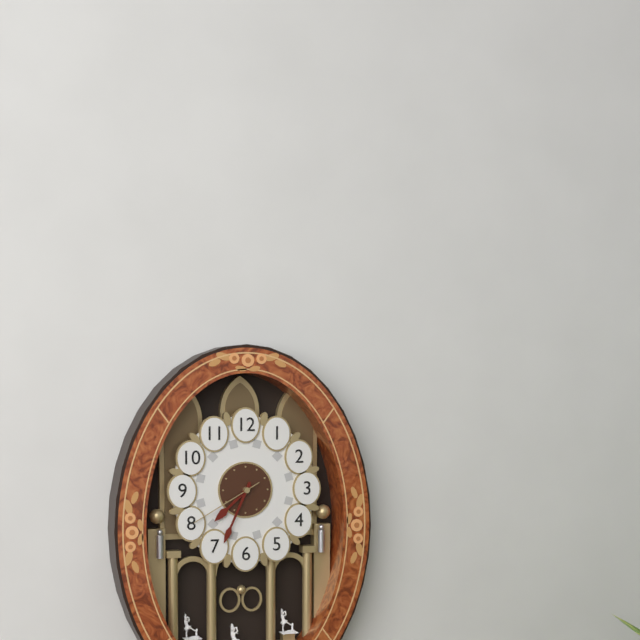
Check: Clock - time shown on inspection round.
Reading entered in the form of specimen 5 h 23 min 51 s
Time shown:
7 h 34 min 40 s
